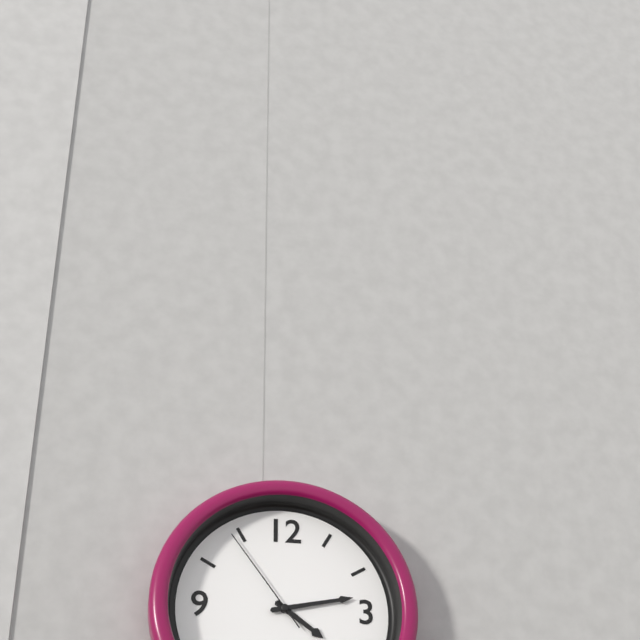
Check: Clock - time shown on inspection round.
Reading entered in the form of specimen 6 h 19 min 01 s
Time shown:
4 h 13 min 54 s
